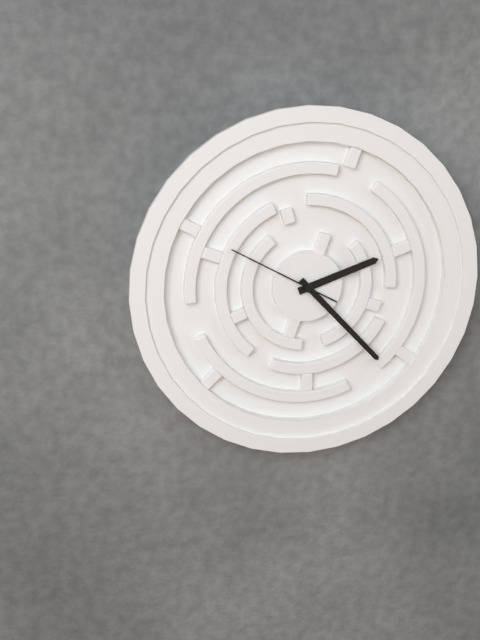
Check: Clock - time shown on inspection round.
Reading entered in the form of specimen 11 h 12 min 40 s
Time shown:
2 h 23 min 50 s
